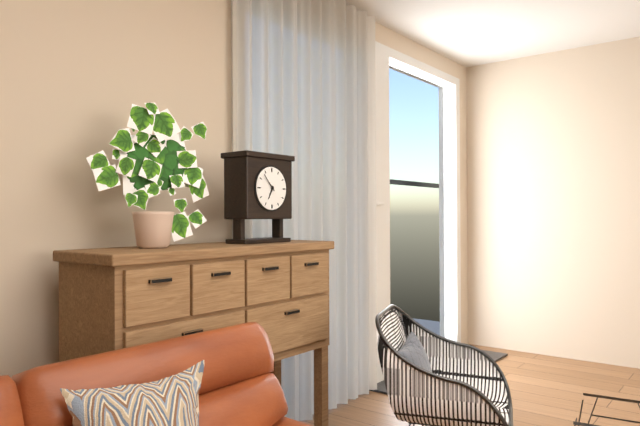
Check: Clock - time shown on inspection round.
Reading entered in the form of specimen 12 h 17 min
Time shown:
6 h 53 min
